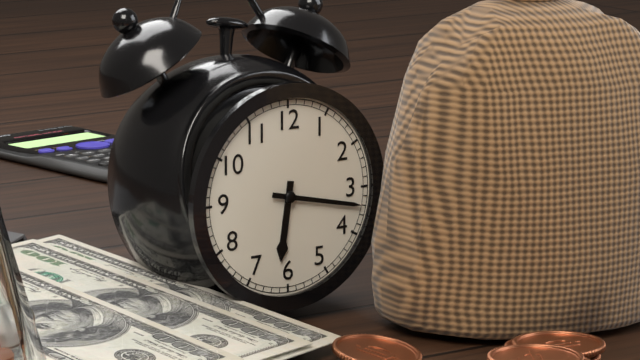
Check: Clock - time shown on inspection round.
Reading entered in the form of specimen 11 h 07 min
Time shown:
6 h 17 min
